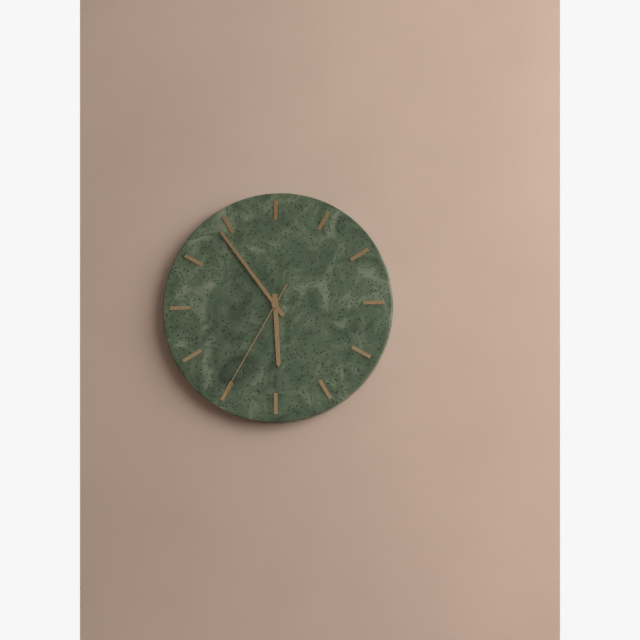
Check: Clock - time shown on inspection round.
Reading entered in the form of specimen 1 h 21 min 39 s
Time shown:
5 h 54 min 35 s
